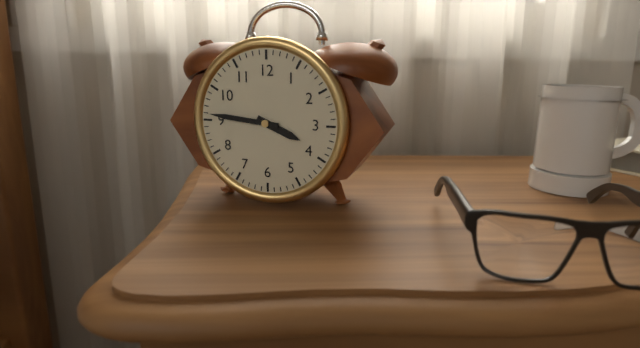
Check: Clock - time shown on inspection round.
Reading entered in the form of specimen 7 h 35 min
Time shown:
3 h 46 min
